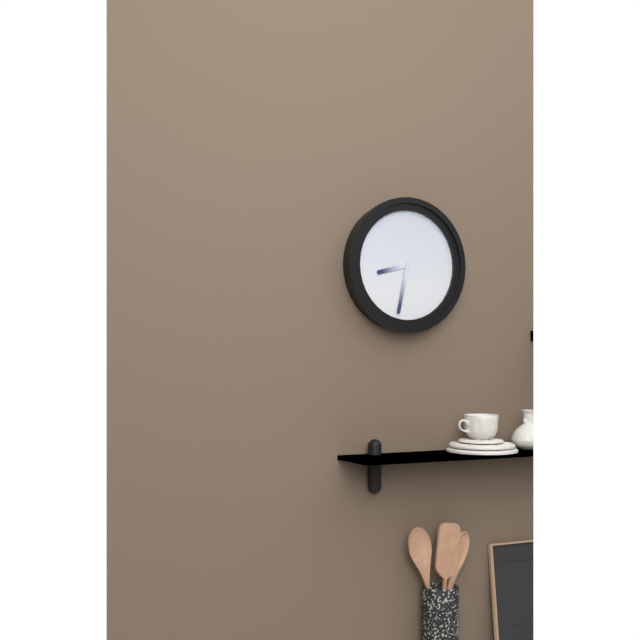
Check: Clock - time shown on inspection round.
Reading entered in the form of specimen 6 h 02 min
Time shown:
8 h 32 min
